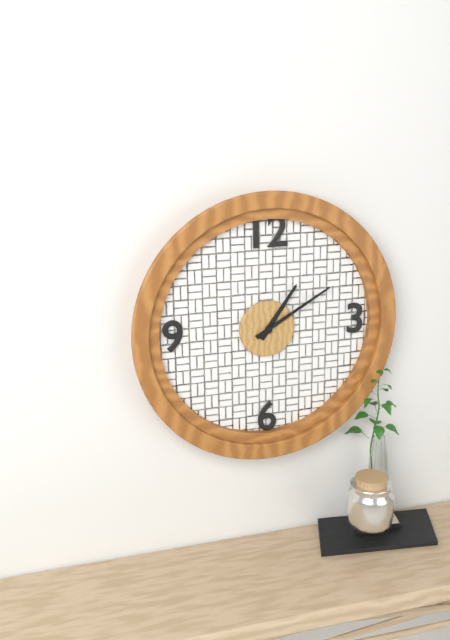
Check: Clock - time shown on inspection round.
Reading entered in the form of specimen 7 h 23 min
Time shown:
1 h 10 min
